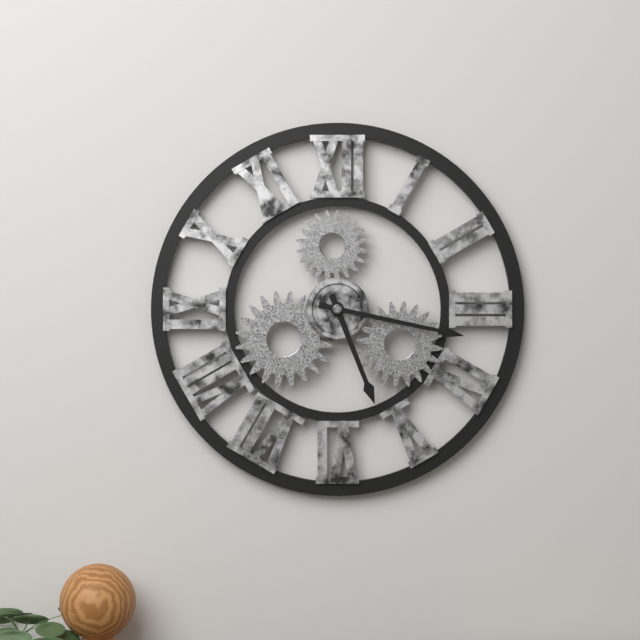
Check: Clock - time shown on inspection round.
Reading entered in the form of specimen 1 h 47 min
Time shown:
5 h 17 min
